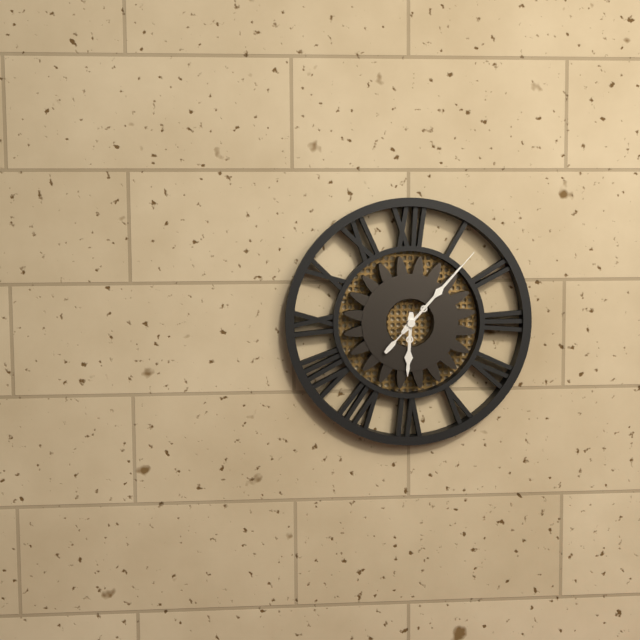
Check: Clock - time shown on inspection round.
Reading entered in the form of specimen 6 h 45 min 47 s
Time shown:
6 h 07 min 07 s
